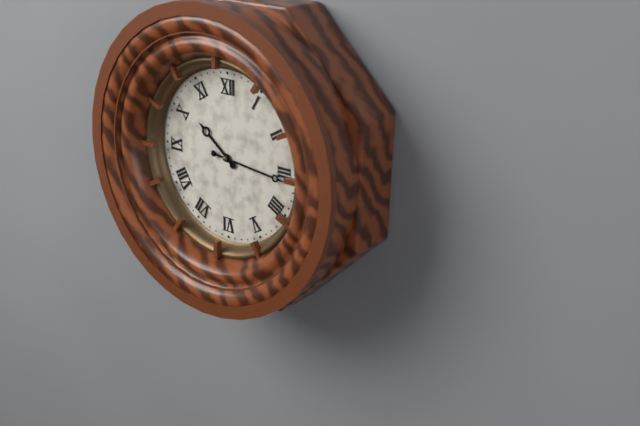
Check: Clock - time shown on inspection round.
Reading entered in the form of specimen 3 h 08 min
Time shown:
10 h 16 min
